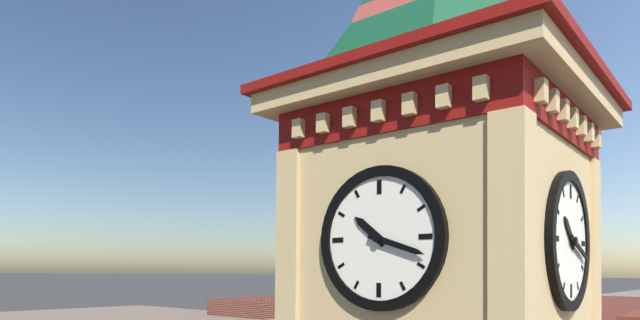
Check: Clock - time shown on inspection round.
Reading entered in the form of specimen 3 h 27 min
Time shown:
10 h 18 min
